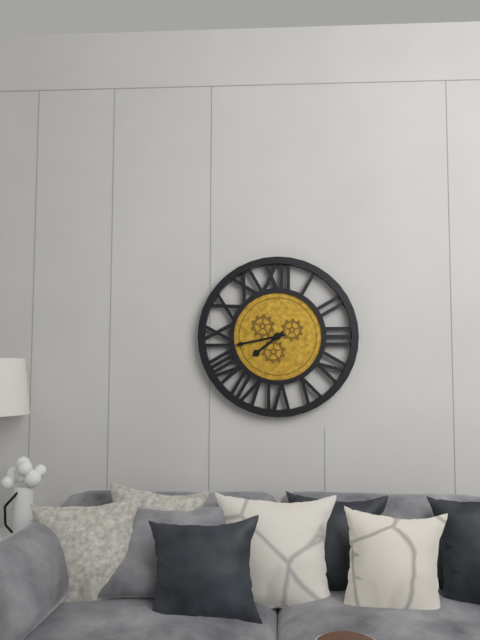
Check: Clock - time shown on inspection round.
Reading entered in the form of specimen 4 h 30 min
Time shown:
7 h 43 min
